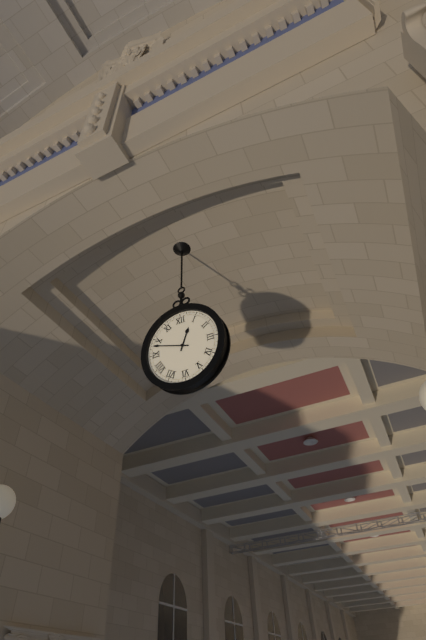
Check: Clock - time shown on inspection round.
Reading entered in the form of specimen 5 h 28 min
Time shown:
12 h 48 min
